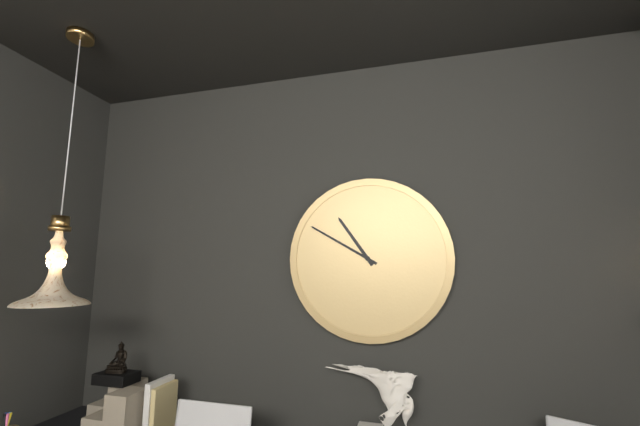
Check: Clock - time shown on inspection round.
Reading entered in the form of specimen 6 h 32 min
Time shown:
10 h 50 min
